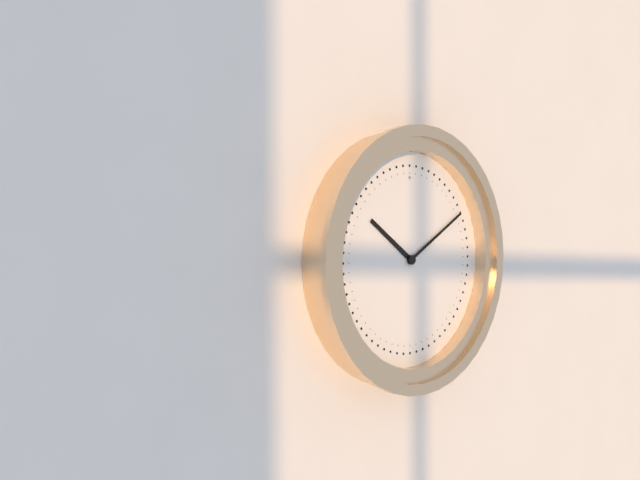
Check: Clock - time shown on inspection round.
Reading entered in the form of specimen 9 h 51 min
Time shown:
10 h 10 min
